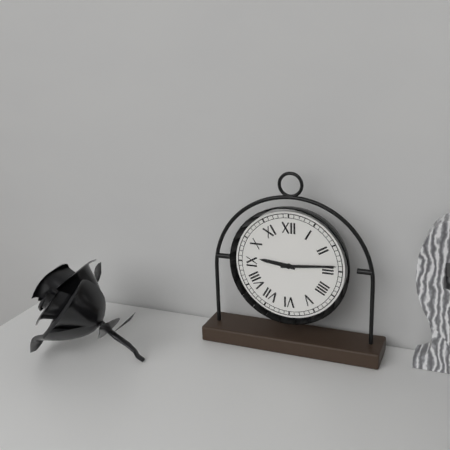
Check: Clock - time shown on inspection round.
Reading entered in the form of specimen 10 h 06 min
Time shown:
9 h 14 min
